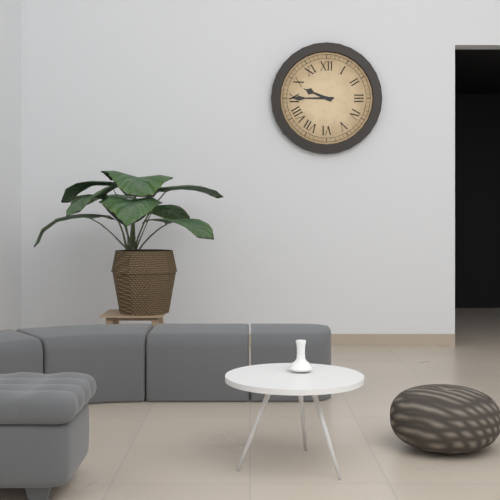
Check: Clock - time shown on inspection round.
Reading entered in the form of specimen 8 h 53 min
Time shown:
9 h 45 min
